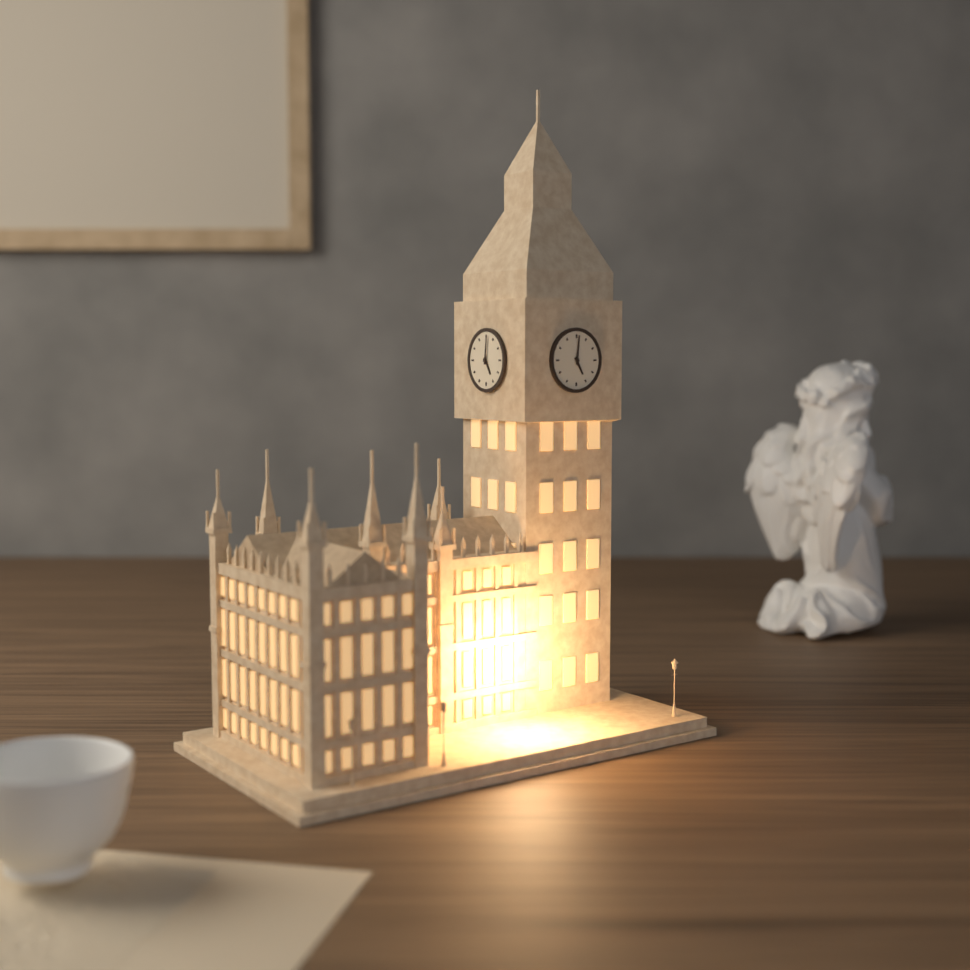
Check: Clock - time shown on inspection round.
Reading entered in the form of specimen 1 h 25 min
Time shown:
5 h 01 min
